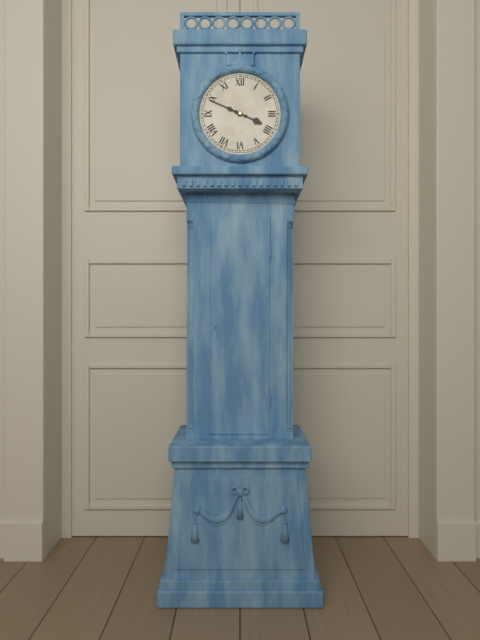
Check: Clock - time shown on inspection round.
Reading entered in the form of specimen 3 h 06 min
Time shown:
3 h 49 min
